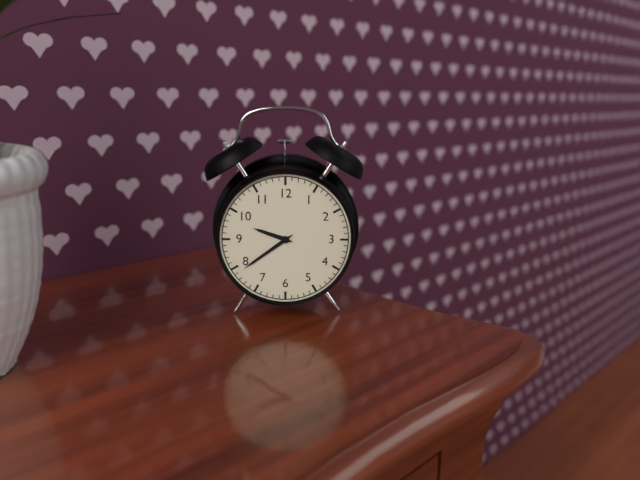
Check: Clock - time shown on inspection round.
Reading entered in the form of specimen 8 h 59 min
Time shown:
9 h 39 min
